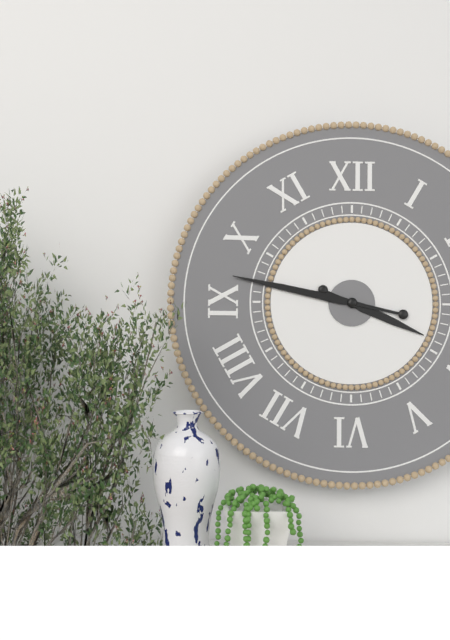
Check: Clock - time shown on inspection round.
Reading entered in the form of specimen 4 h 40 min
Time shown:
3 h 47 min
